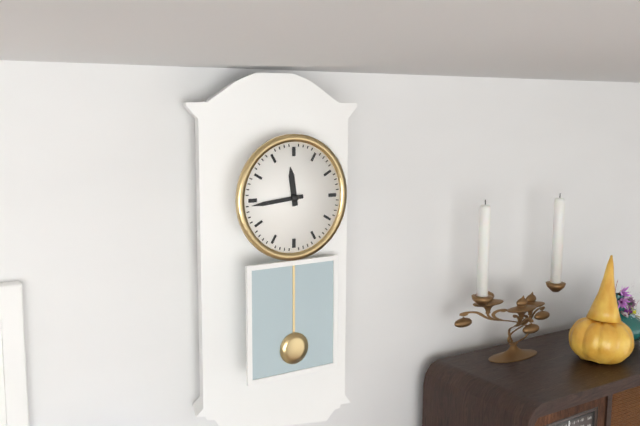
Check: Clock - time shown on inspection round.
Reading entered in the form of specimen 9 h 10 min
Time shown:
11 h 44 min
